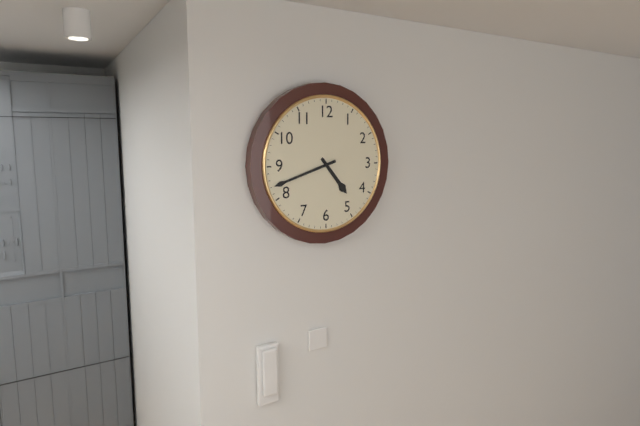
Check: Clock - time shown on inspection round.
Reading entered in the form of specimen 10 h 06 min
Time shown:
4 h 42 min
